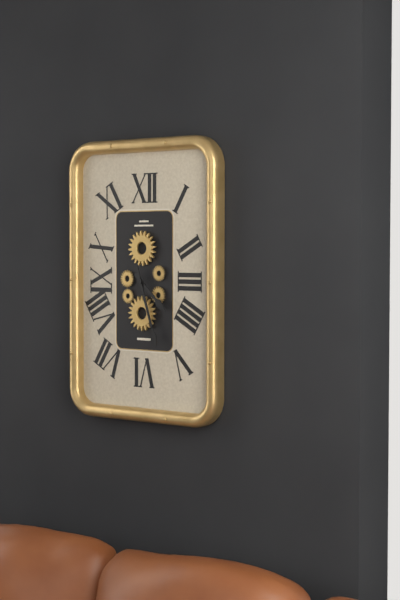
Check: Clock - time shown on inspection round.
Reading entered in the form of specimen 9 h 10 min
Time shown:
4 h 27 min
